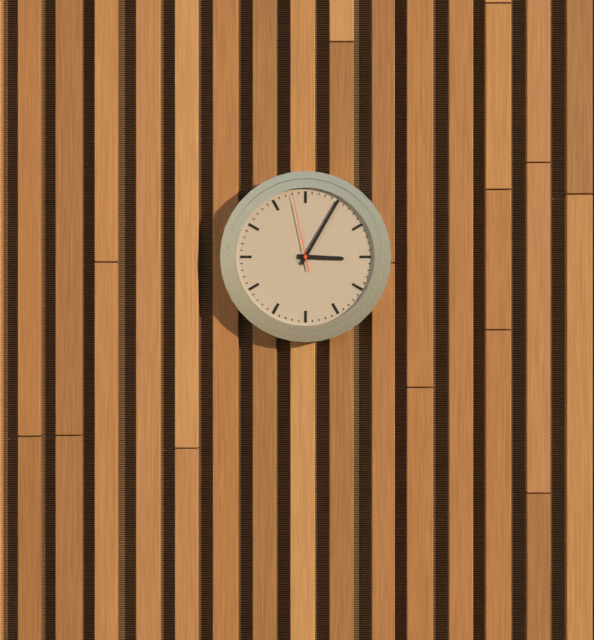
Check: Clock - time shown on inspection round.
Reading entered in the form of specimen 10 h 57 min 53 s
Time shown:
3 h 05 min 58 s
